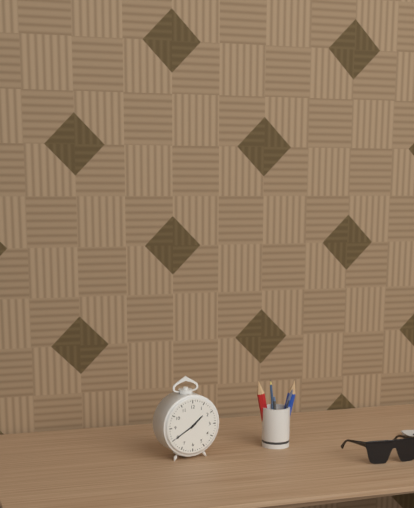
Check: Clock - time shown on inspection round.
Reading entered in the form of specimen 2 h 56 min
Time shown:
1 h 40 min
